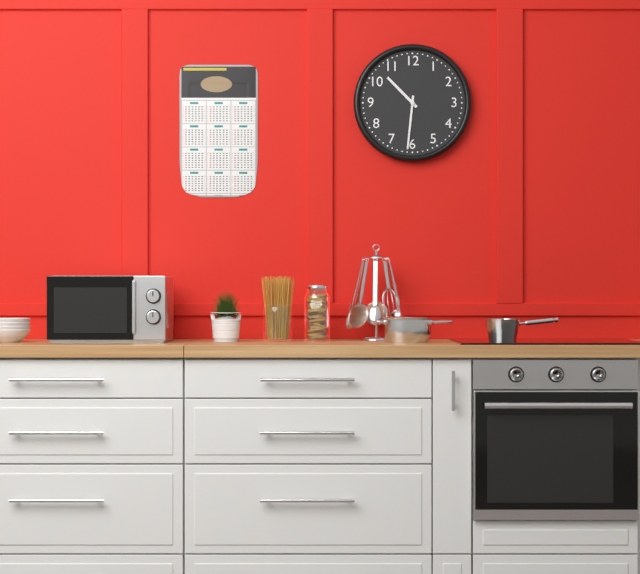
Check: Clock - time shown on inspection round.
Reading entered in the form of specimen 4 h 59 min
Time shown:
10 h 31 min
